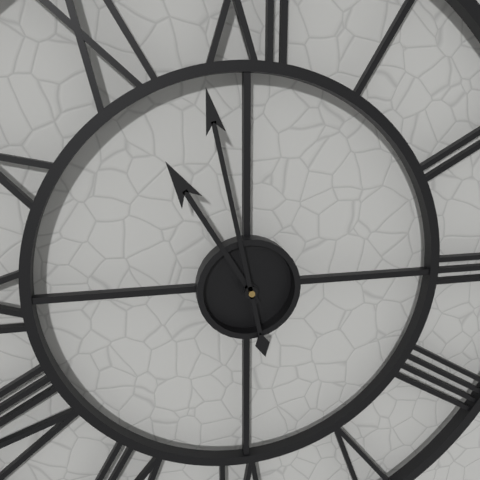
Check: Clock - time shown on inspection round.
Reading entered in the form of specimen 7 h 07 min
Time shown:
10 h 58 min
